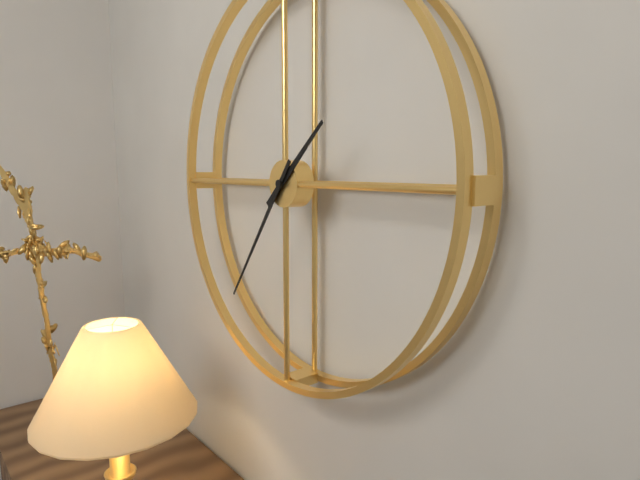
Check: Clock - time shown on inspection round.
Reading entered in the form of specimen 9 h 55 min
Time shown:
1 h 36 min
